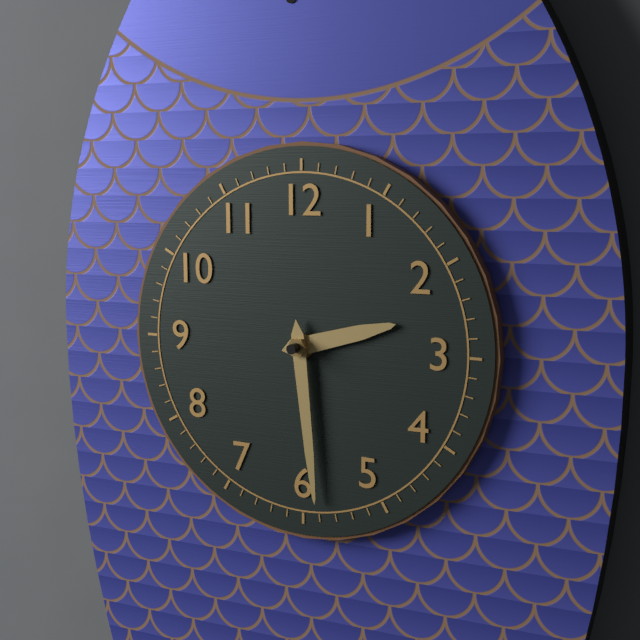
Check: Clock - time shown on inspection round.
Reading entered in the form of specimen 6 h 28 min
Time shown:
2 h 29 min
